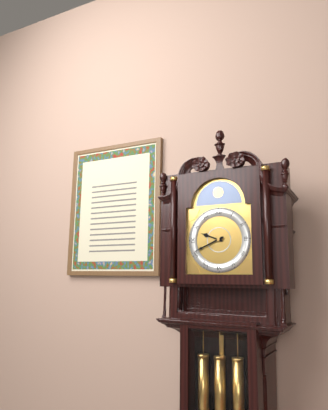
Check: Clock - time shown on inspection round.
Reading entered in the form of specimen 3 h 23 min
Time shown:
9 h 41 min
